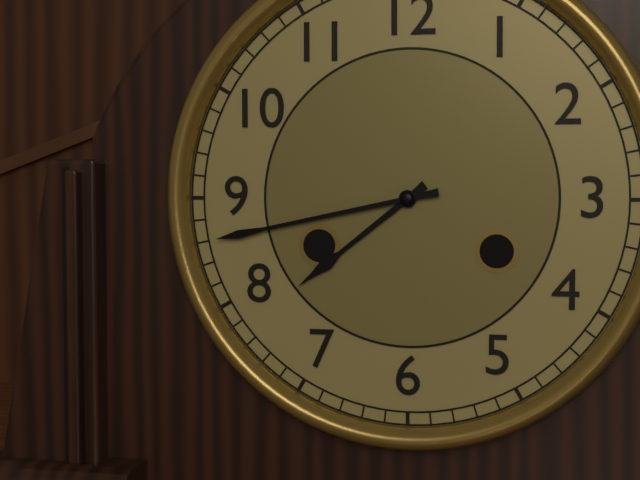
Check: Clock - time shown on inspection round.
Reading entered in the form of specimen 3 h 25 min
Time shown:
7 h 43 min
